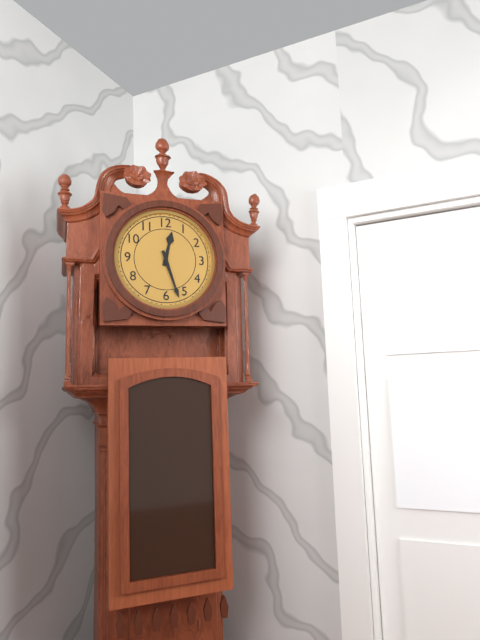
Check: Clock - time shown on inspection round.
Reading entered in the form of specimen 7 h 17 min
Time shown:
12 h 27 min
